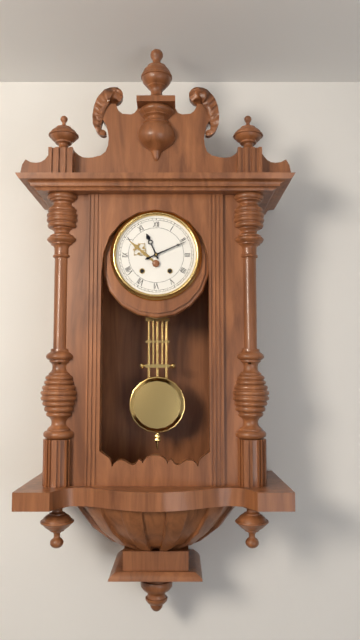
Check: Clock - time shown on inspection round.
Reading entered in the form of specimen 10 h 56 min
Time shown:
11 h 11 min
